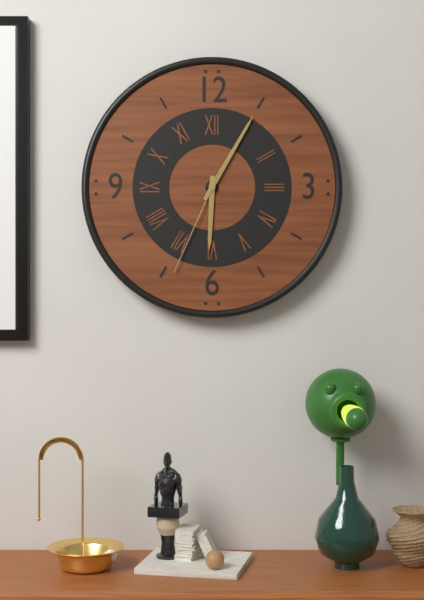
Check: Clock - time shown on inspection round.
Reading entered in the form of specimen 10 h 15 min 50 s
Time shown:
6 h 05 min 34 s
